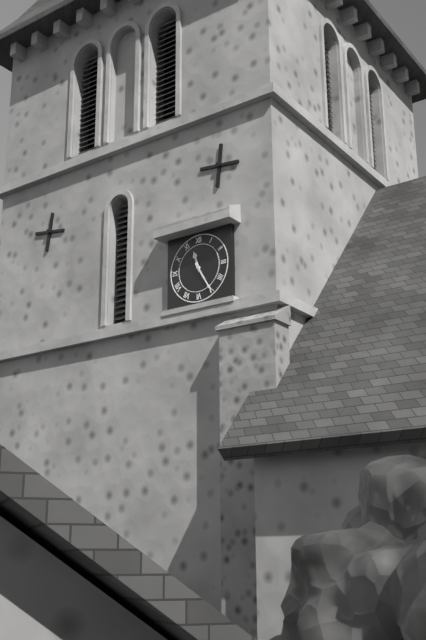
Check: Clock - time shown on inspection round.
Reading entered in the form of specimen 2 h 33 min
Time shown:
11 h 25 min
